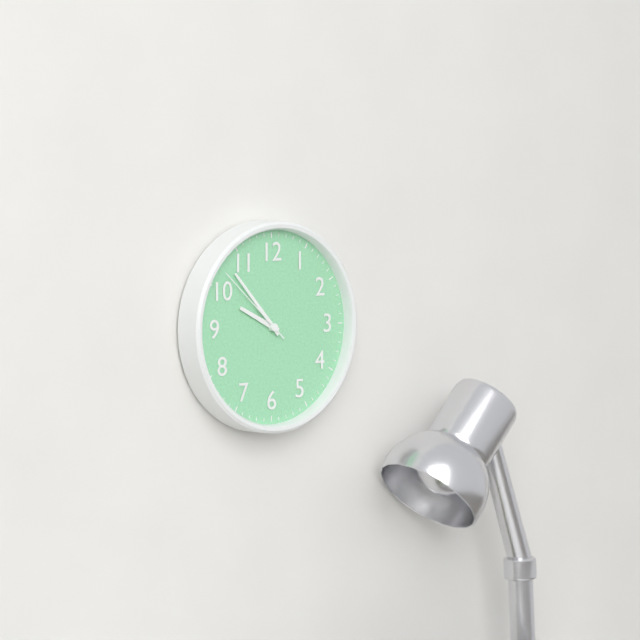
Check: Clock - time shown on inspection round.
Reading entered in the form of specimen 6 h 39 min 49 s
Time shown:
9 h 53 min 52 s
